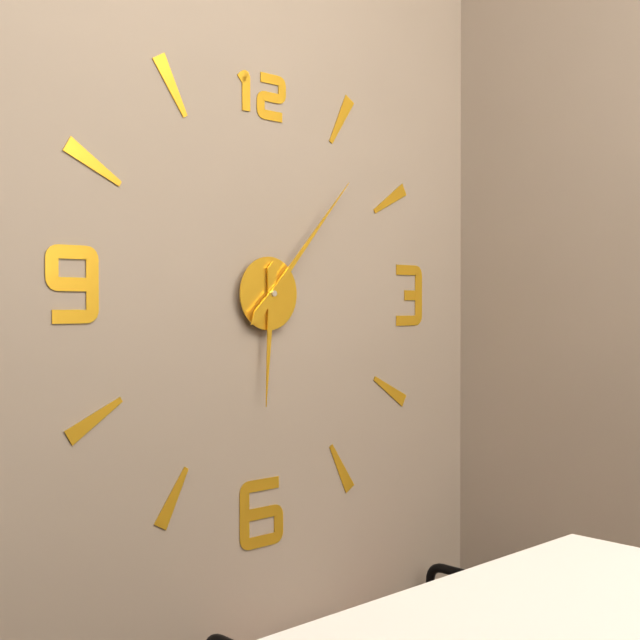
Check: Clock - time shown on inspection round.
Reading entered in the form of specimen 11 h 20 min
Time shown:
6 h 07 min
